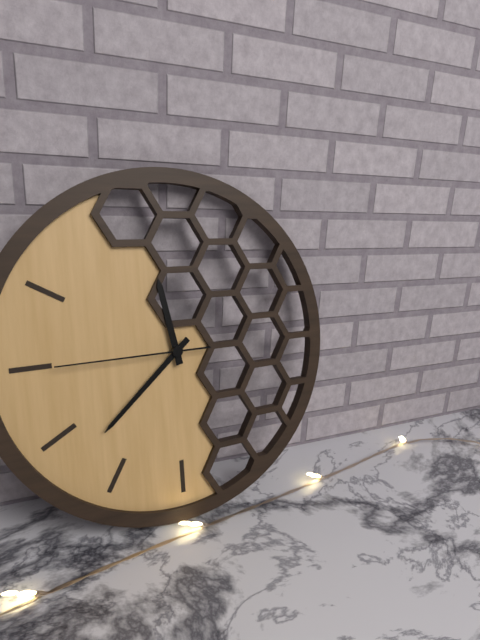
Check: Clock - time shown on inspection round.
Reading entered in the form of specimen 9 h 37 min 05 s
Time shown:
11 h 38 min 45 s
